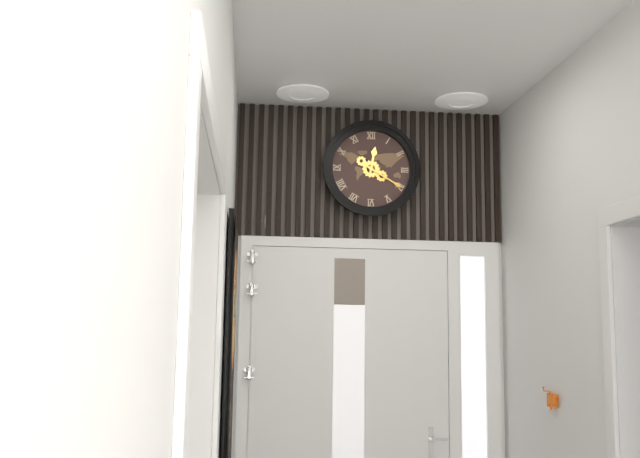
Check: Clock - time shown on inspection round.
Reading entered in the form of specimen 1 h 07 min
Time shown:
12 h 20 min
